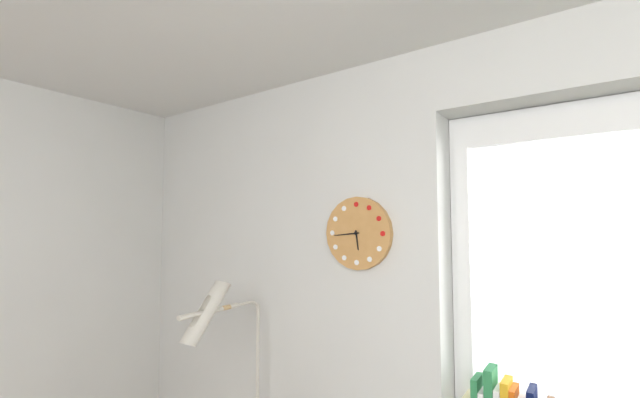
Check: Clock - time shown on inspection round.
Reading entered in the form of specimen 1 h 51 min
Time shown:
5 h 44 min
